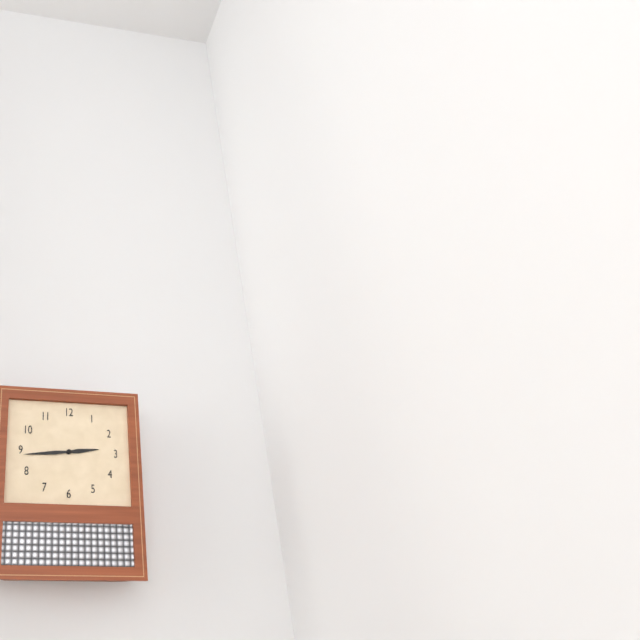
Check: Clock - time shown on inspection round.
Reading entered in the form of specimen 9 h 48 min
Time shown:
2 h 44 min
